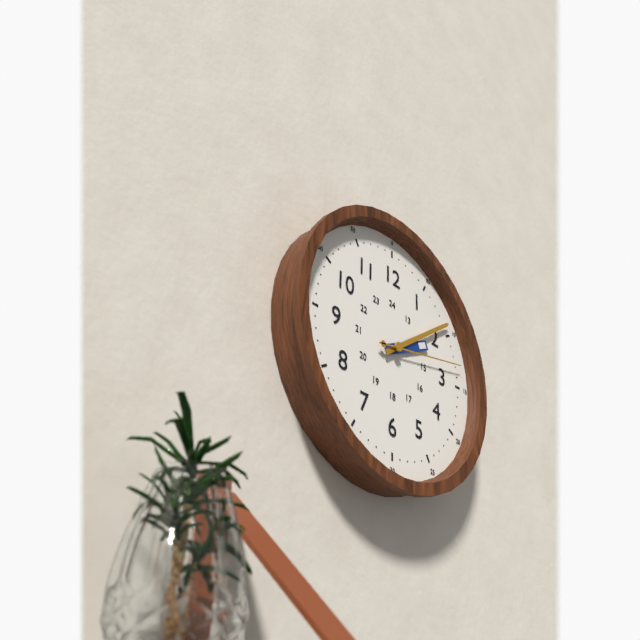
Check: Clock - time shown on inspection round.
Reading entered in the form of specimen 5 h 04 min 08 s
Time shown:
2 h 09 min 13 s
